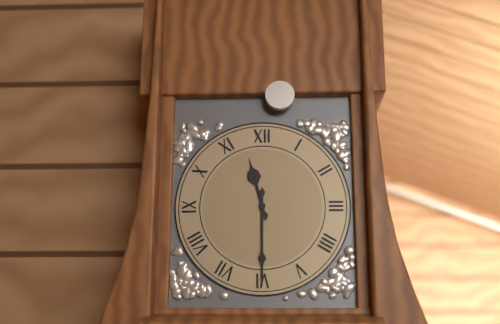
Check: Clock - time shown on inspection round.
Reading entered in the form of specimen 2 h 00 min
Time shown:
11 h 30 min
